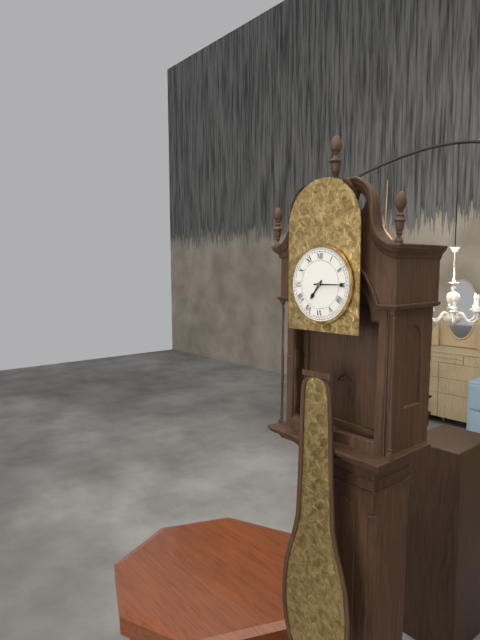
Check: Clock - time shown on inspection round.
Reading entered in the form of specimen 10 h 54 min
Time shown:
7 h 15 min
